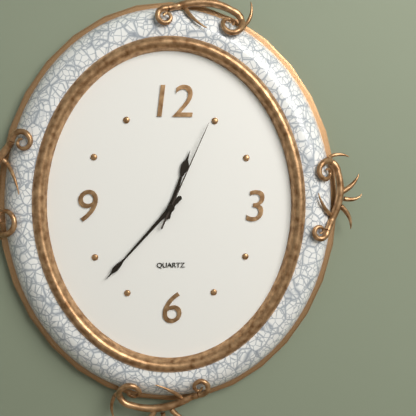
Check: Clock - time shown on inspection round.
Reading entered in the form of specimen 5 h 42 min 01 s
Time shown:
12 h 37 min 04 s
